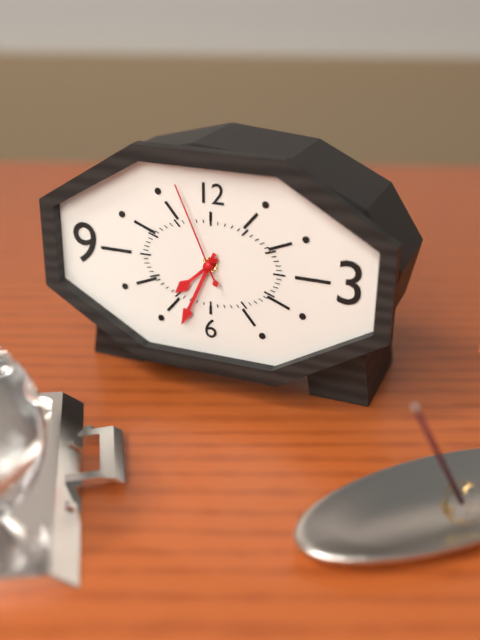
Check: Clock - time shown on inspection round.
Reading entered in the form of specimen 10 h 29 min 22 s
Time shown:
7 h 34 min 56 s
